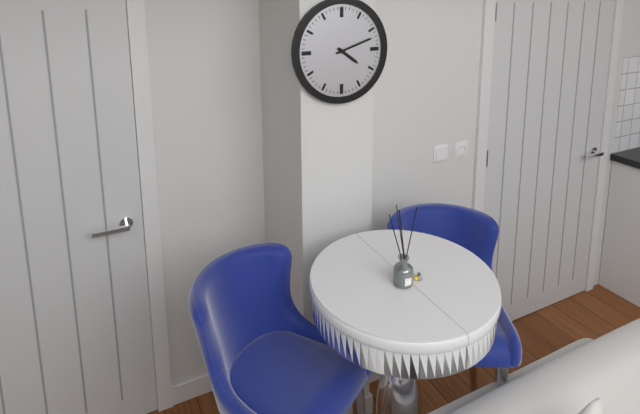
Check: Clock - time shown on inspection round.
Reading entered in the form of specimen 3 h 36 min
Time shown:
4 h 12 min
